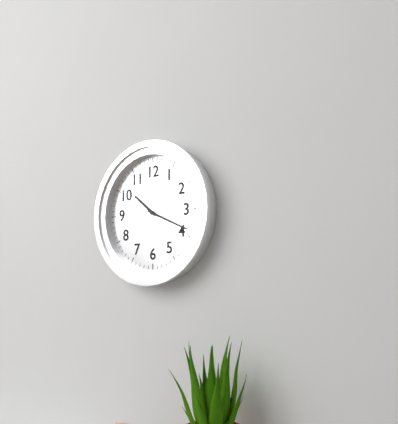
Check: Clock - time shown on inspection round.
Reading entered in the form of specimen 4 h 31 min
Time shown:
10 h 19 min
